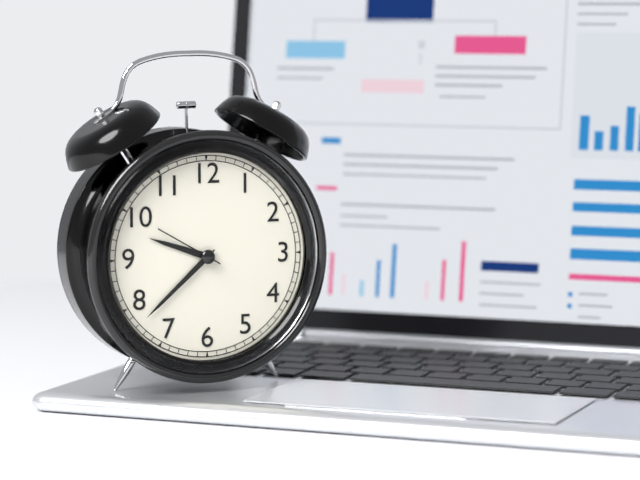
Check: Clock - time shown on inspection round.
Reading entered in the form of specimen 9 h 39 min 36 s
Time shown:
9 h 38 min 50 s
